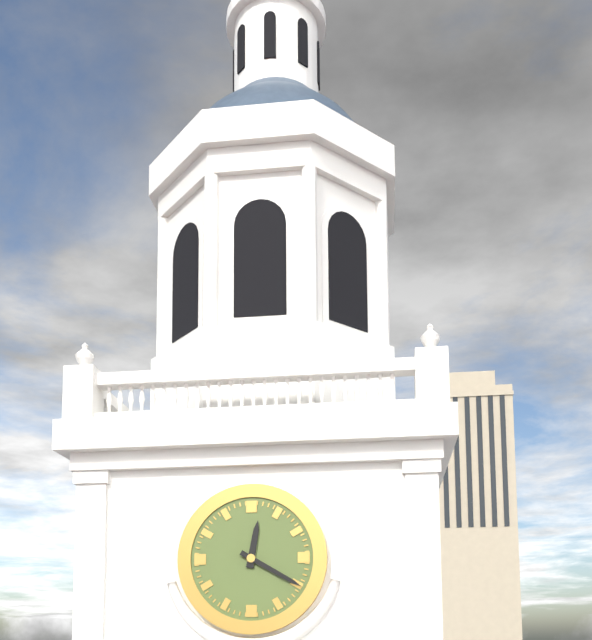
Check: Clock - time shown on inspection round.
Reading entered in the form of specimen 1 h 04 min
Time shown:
12 h 20 min
